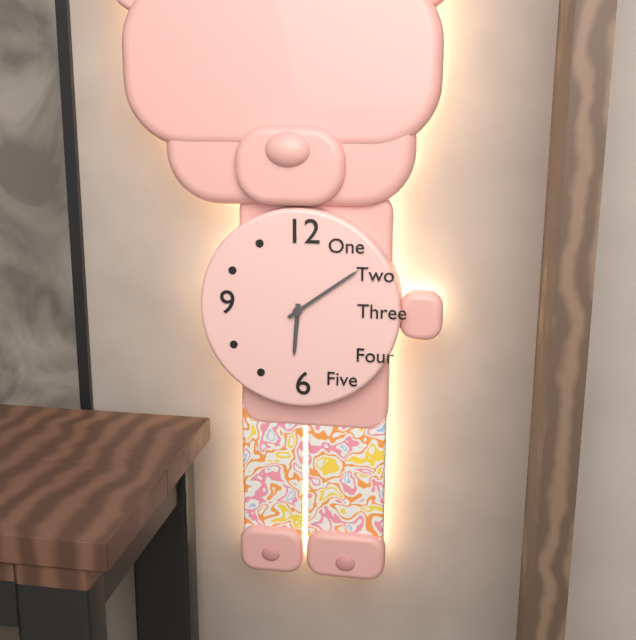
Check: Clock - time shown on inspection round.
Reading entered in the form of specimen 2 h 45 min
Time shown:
6 h 09 min
